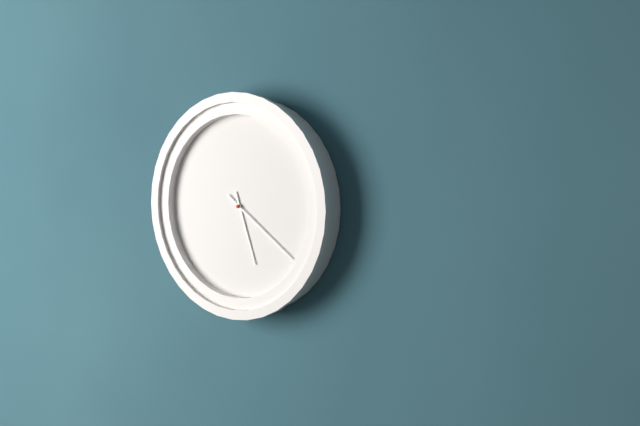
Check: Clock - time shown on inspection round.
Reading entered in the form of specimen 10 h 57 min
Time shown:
5 h 21 min
